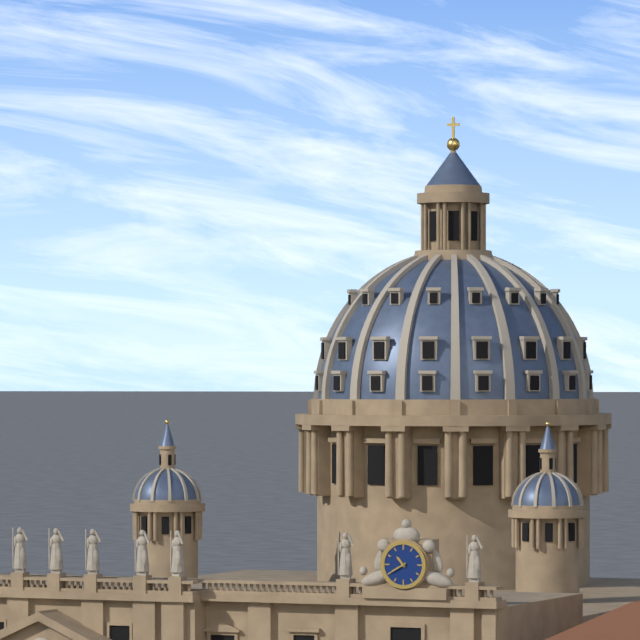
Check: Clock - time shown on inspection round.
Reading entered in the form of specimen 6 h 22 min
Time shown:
10 h 40 min
